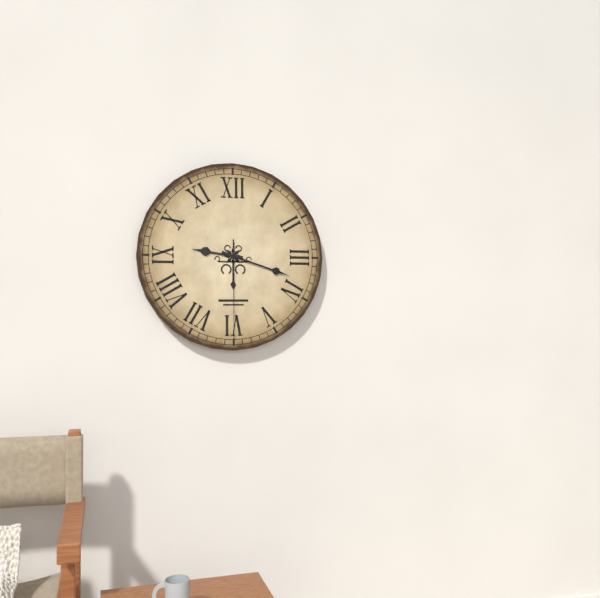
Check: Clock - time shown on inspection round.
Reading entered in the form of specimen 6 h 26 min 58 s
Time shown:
9 h 18 min 30 s
